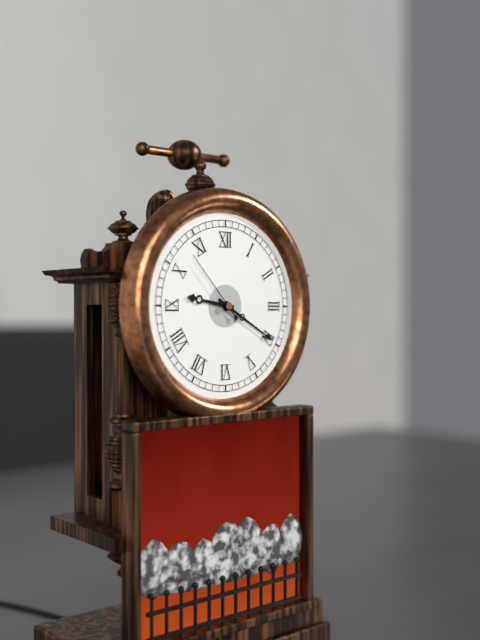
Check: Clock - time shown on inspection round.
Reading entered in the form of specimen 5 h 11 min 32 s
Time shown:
9 h 20 min 53 s
